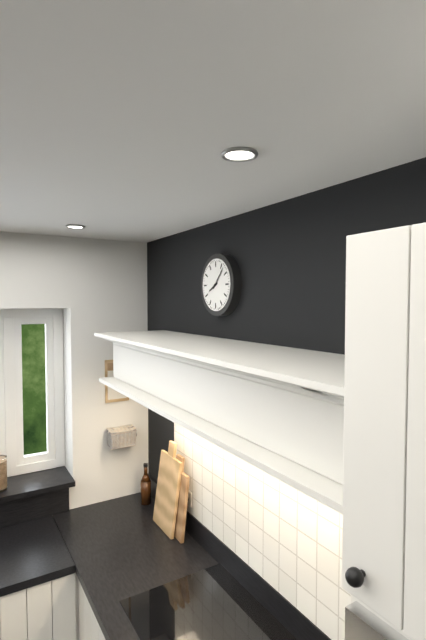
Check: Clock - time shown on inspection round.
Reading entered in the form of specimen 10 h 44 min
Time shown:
8 h 07 min
